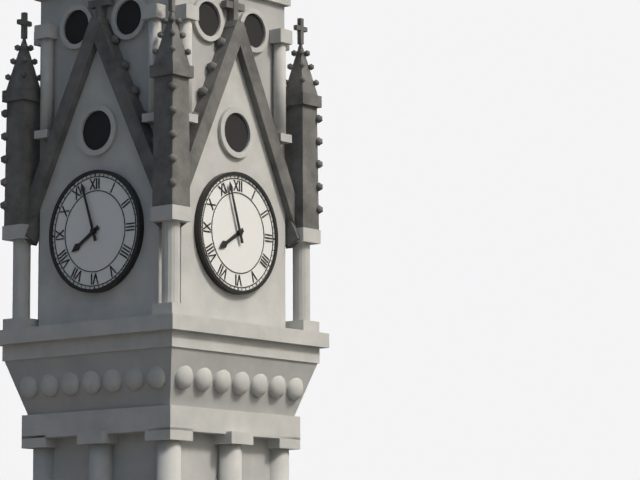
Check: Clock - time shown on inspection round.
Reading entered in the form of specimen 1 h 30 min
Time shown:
7 h 57 min
